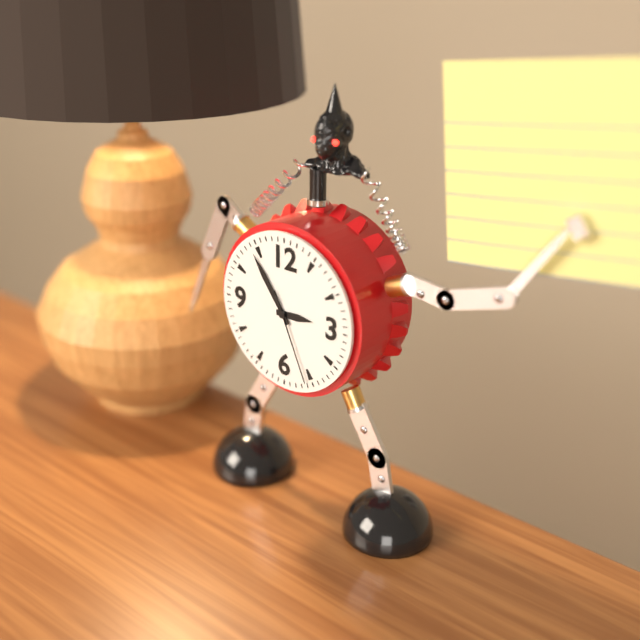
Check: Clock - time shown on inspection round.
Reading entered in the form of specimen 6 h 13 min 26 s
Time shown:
2 h 54 min 26 s
